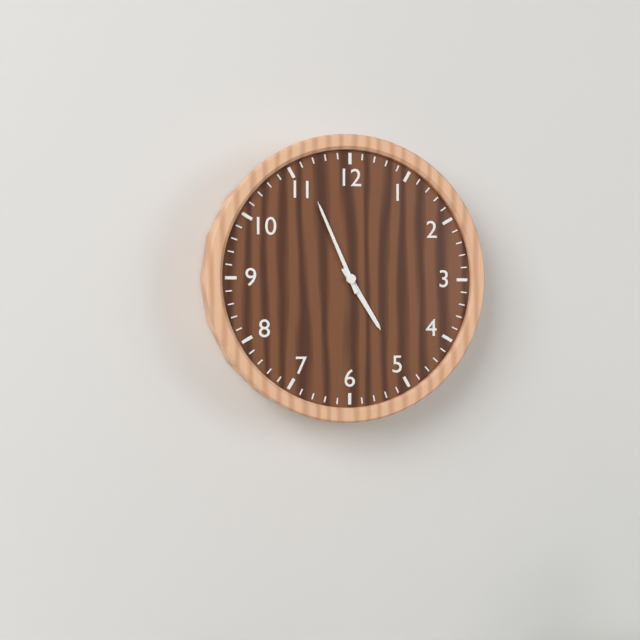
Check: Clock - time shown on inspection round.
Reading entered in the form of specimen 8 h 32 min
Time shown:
4 h 56 min
